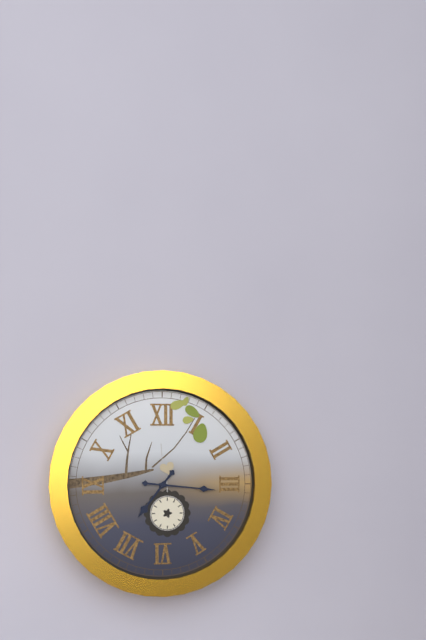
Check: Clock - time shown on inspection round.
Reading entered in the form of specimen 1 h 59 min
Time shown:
7 h 16 min
